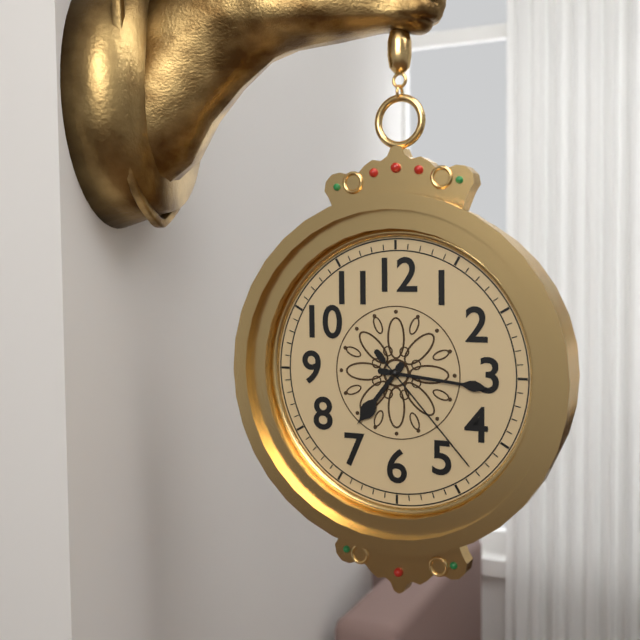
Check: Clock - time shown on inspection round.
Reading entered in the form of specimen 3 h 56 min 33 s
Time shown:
7 h 16 min 23 s
